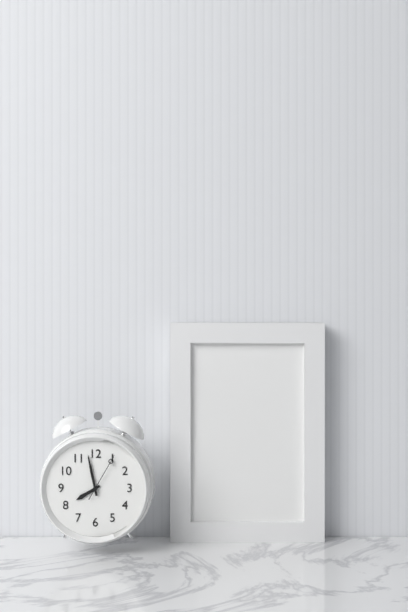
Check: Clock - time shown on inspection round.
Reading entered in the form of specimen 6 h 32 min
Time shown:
7 h 58 min
